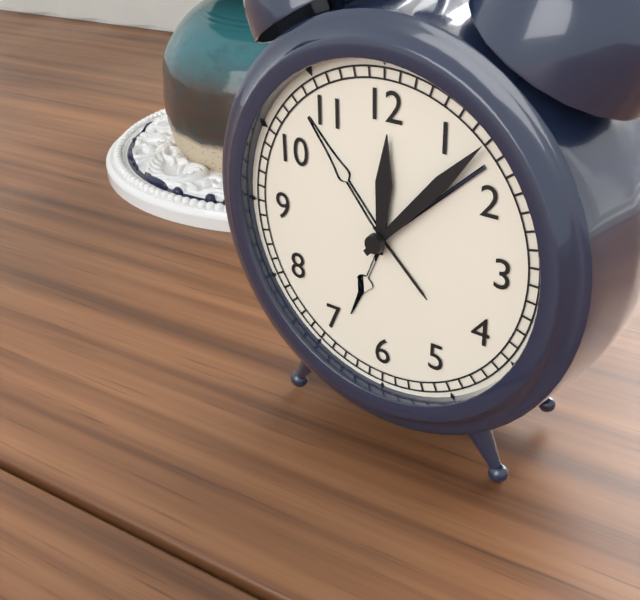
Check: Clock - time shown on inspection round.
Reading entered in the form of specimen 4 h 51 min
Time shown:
12 h 07 min
